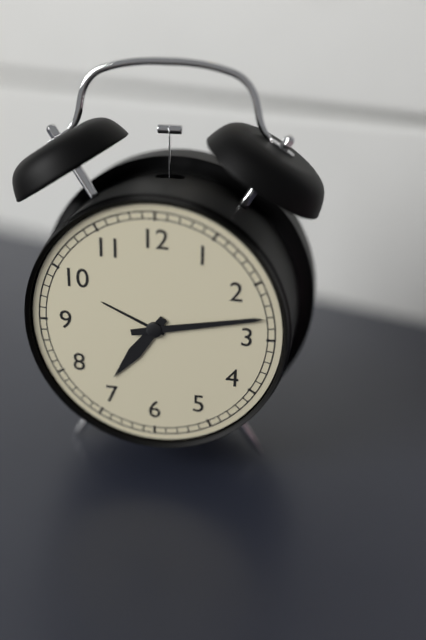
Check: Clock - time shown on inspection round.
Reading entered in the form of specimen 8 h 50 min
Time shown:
7 h 13 min
